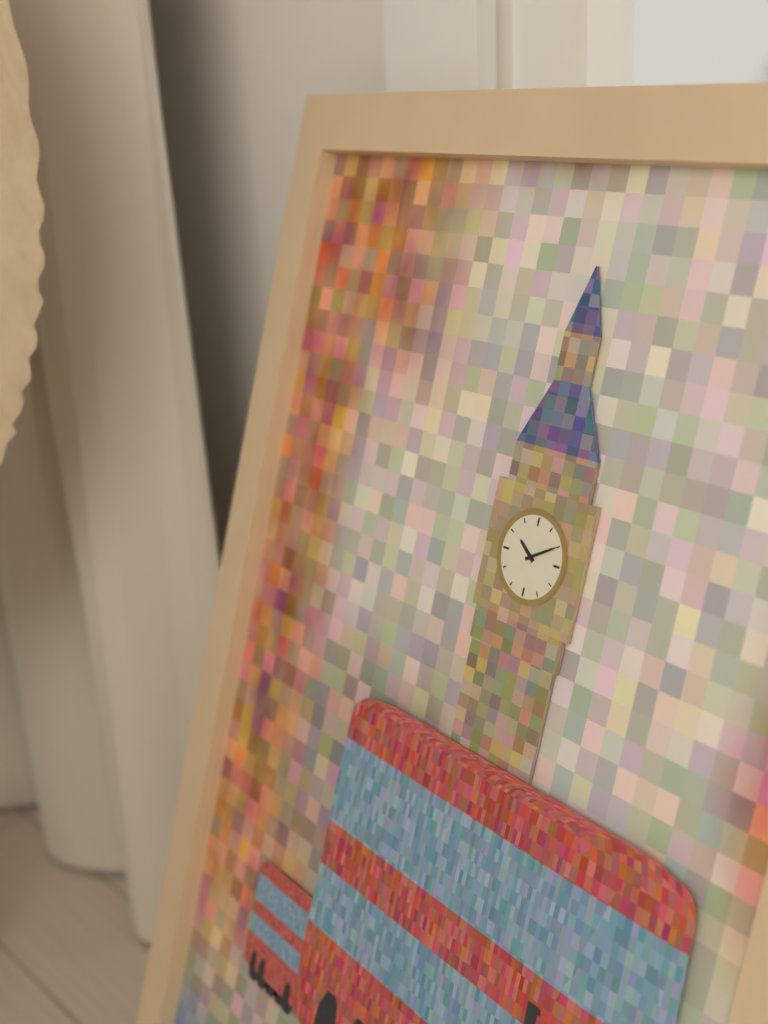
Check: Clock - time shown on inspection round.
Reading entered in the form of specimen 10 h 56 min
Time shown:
10 h 10 min
